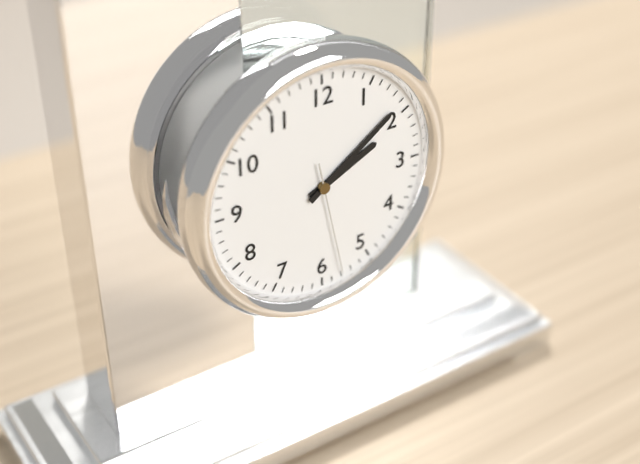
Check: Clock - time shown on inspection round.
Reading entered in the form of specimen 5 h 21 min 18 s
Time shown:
2 h 09 min 28 s
